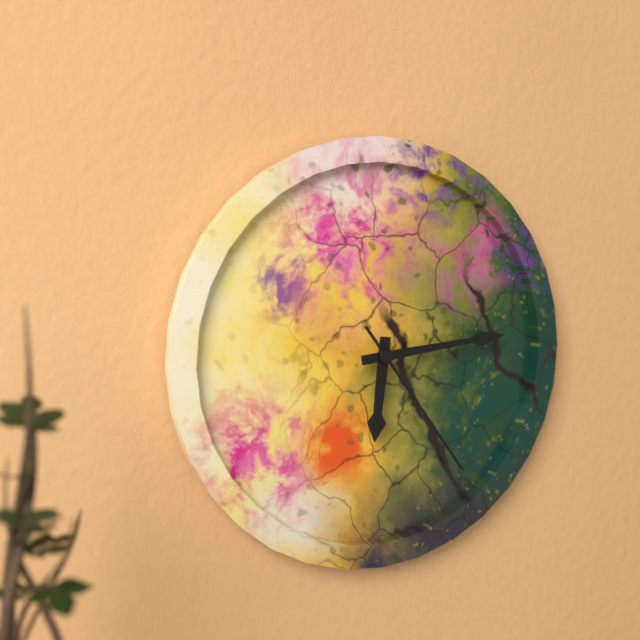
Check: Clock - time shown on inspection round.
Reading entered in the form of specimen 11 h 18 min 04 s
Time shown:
6 h 14 min 24 s
